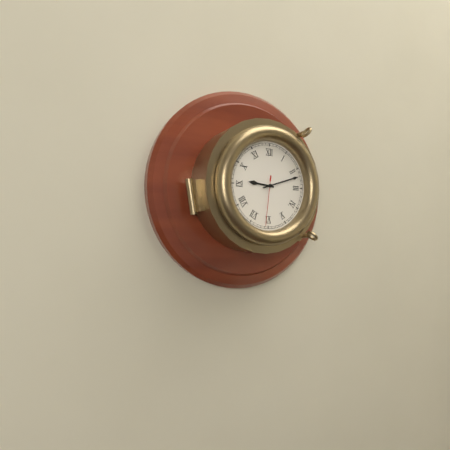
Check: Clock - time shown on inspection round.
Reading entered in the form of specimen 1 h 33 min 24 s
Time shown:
9 h 12 min 31 s
